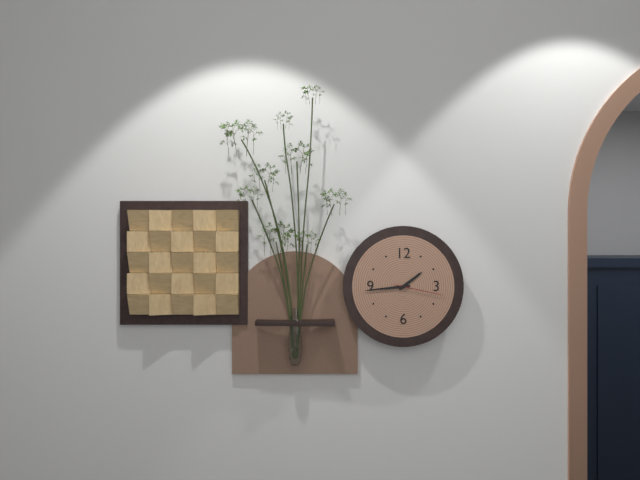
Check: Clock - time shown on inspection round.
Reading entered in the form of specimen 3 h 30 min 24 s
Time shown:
1 h 44 min 17 s
